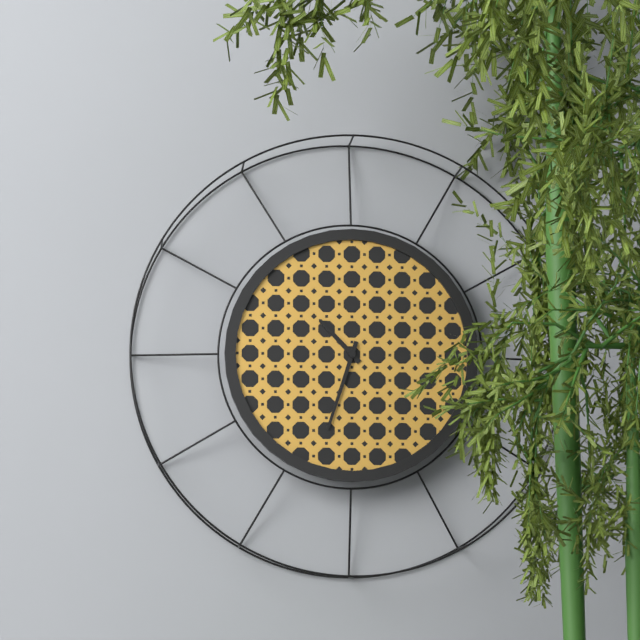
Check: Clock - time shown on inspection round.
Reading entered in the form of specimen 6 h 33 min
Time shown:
10 h 33 min
